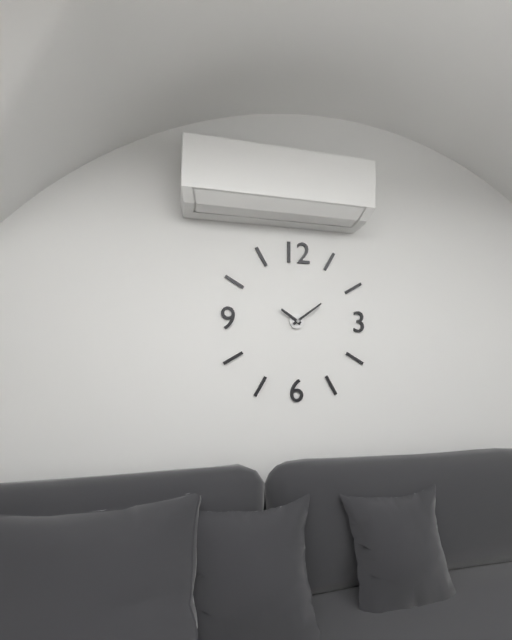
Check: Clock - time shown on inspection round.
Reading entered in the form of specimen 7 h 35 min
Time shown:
10 h 09 min
